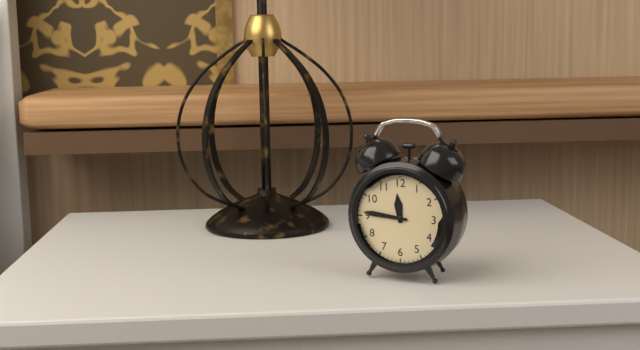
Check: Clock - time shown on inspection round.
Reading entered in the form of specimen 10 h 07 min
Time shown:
11 h 46 min
